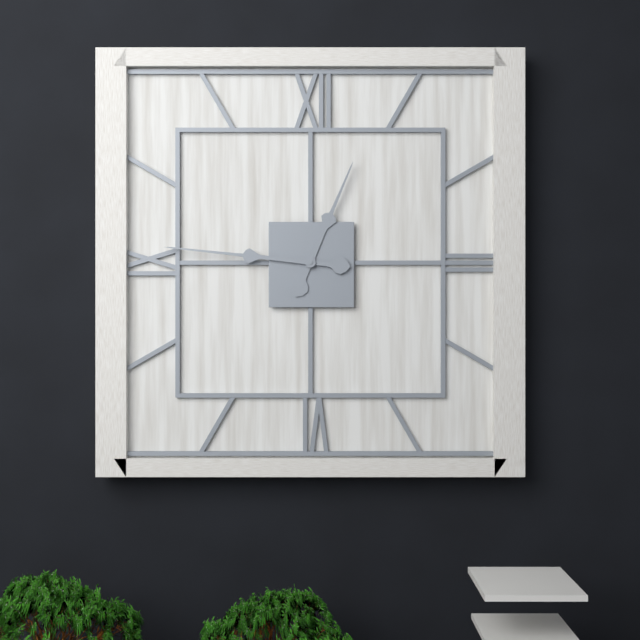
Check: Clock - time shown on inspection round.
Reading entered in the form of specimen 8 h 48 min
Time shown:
12 h 46 min
